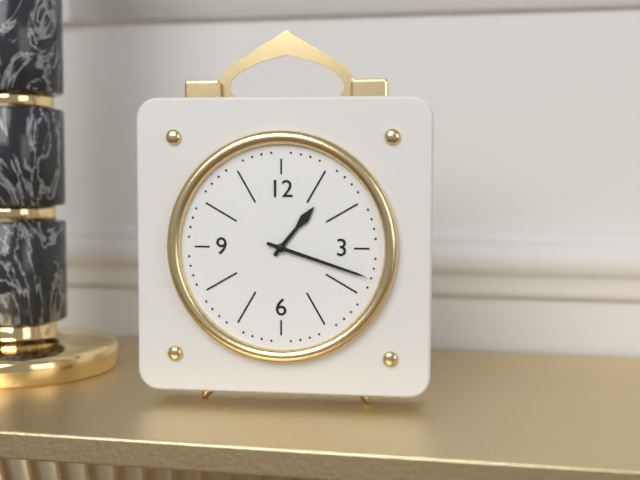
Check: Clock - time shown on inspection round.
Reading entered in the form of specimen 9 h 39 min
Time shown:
1 h 18 min
